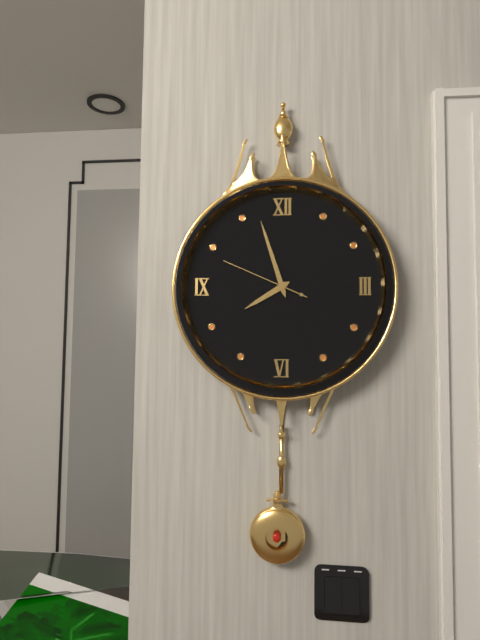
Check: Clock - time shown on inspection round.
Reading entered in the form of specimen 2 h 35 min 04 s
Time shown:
7 h 57 min 49 s
